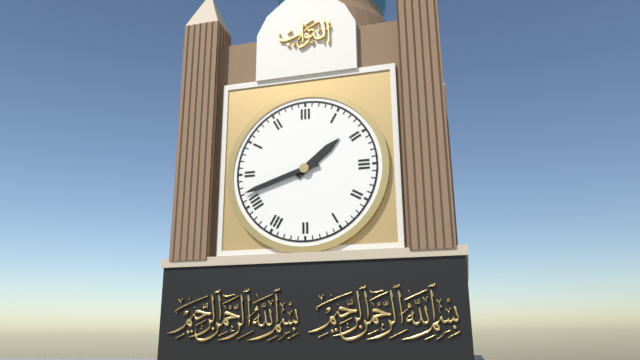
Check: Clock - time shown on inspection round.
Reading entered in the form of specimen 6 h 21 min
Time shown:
1 h 42 min
